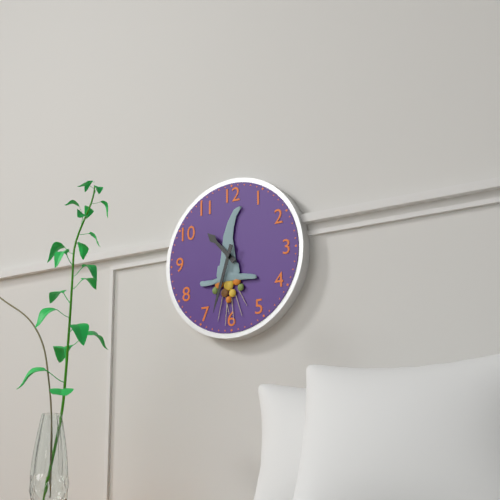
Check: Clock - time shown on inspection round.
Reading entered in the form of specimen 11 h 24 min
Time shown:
10 h 33 min
